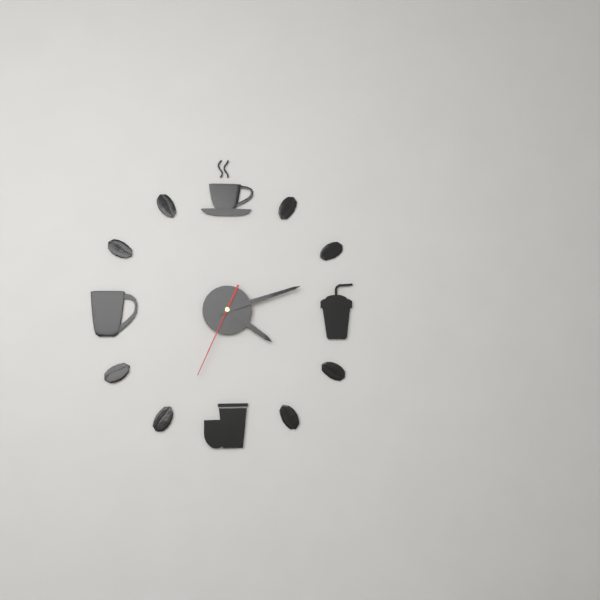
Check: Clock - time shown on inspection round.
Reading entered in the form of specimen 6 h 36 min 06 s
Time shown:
4 h 12 min 34 s
